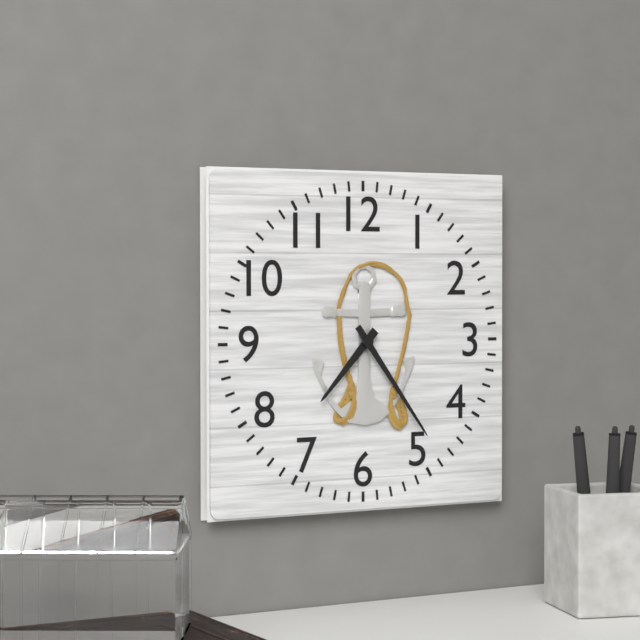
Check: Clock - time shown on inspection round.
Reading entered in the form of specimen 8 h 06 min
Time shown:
7 h 24 min
